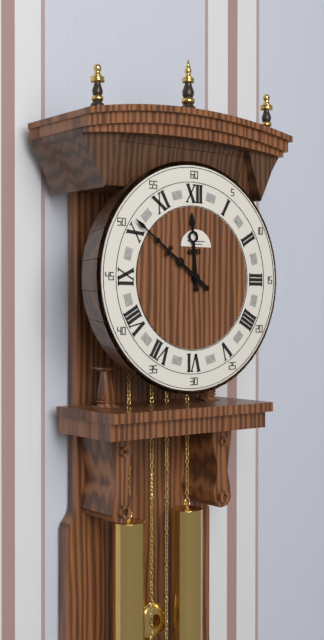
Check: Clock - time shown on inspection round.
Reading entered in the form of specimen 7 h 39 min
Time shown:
11 h 51 min
